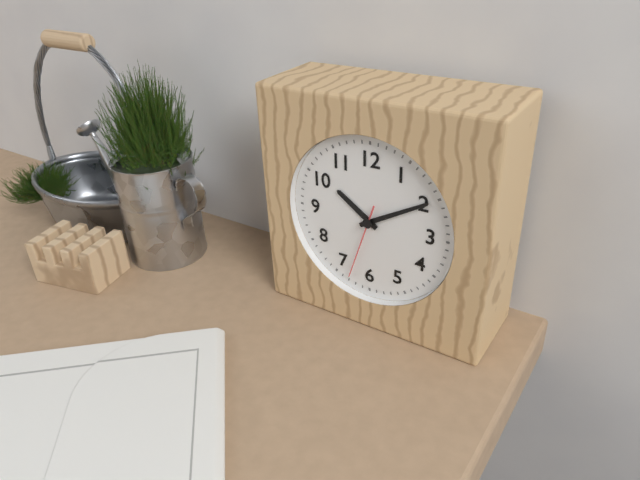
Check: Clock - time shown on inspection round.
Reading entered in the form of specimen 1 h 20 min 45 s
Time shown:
10 h 10 min 33 s
